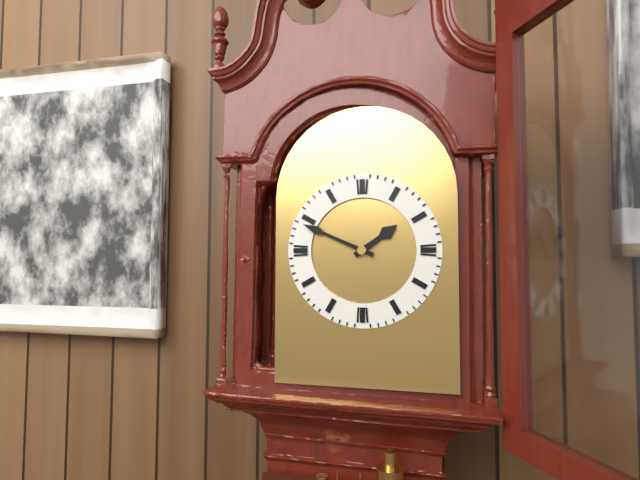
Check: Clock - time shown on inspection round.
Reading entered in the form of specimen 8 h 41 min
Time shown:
1 h 49 min
